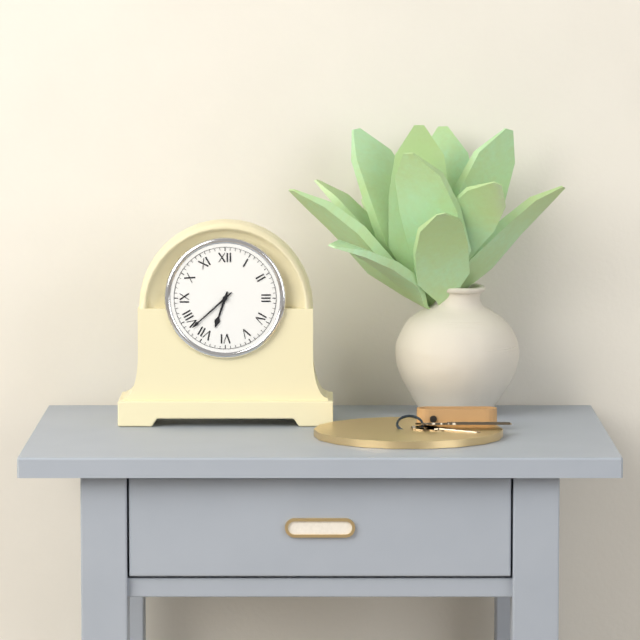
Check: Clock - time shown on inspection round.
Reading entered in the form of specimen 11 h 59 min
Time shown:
6 h 38 min
